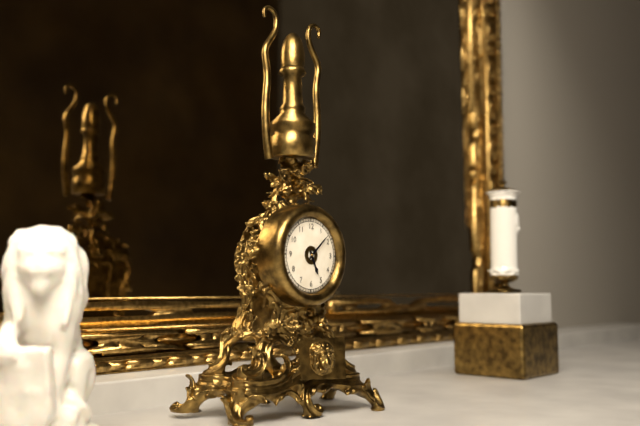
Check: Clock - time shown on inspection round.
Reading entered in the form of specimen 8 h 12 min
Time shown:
5 h 08 min
